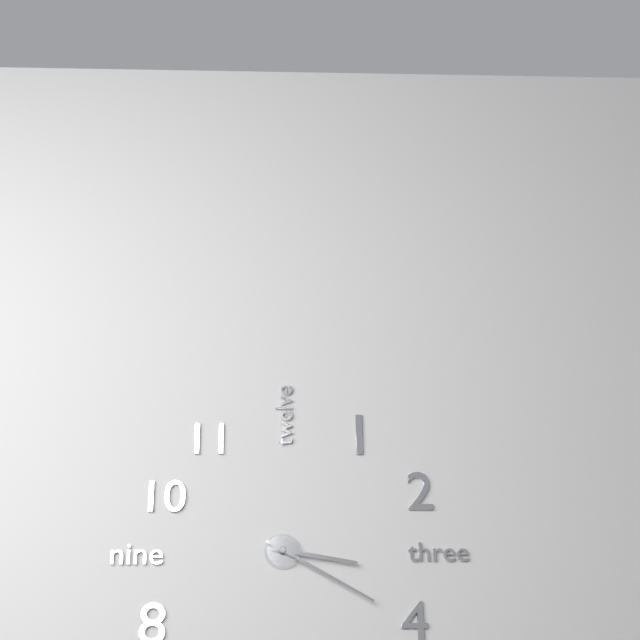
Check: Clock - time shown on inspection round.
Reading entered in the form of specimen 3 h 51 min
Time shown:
3 h 20 min
